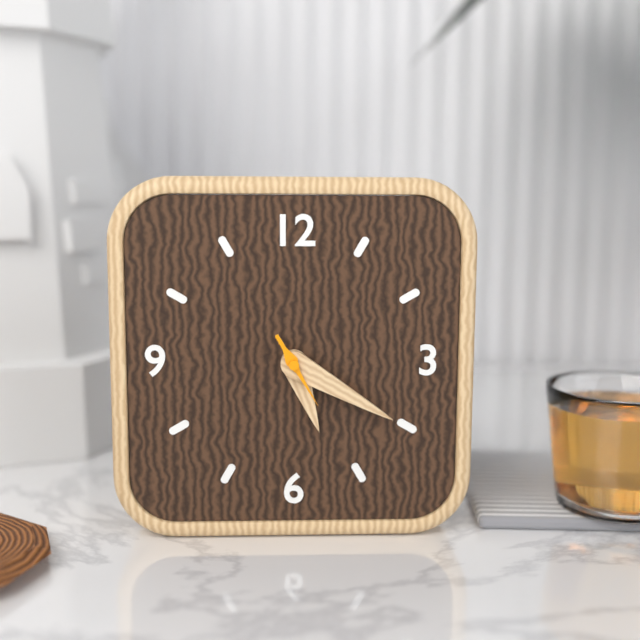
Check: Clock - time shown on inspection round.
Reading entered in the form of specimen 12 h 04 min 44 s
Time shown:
5 h 20 min 25 s
